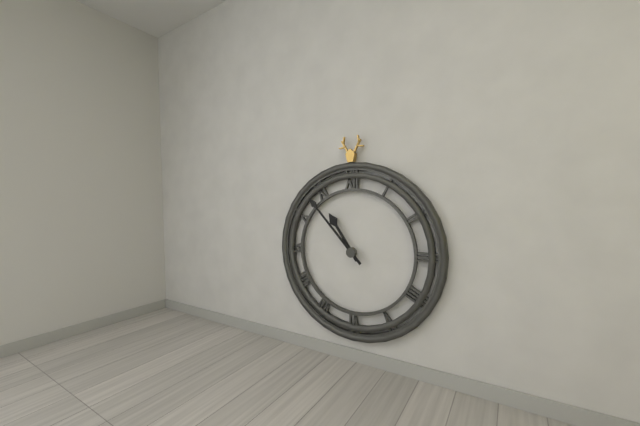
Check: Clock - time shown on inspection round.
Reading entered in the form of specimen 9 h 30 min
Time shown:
10 h 53 min
